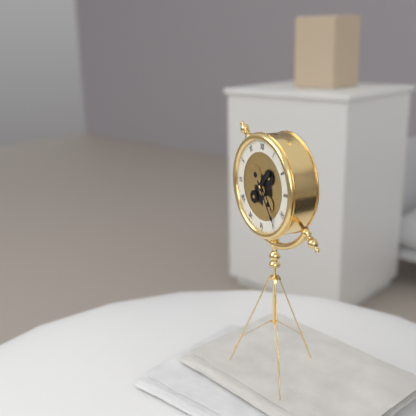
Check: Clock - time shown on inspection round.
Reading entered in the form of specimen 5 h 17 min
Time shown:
1 h 24 min
